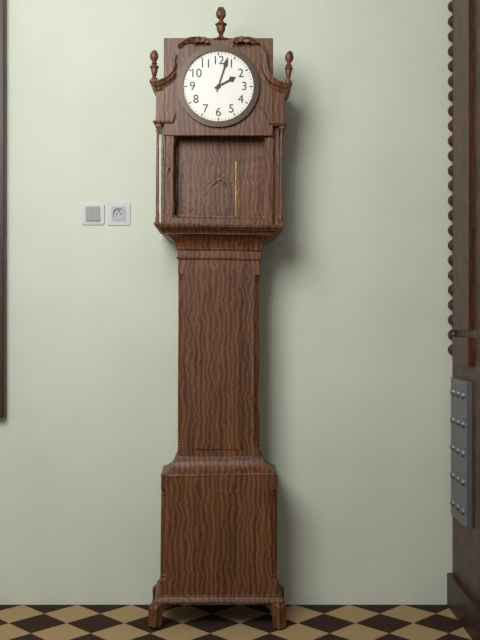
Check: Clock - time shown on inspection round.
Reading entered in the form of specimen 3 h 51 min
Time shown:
2 h 03 min
